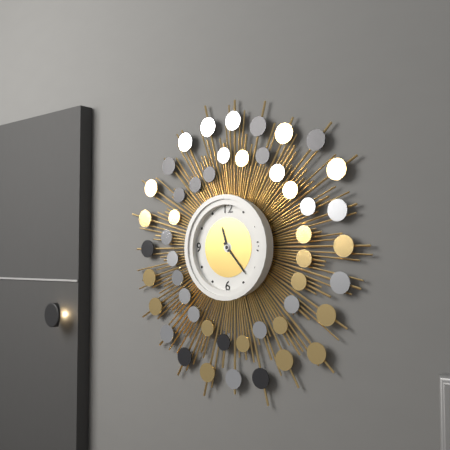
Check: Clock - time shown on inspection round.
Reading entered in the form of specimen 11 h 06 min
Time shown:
11 h 23 min
